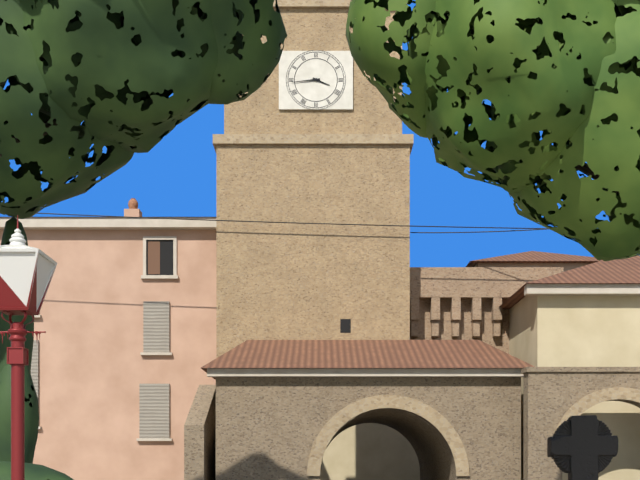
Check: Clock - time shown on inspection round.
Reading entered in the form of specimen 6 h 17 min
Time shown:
3 h 44 min
